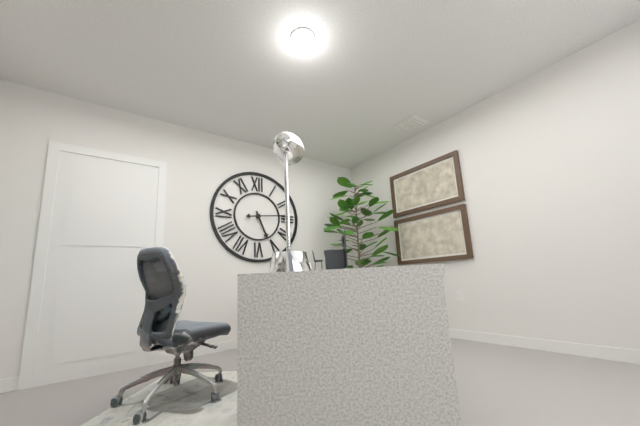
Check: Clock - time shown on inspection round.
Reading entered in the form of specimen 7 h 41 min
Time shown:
5 h 14 min
